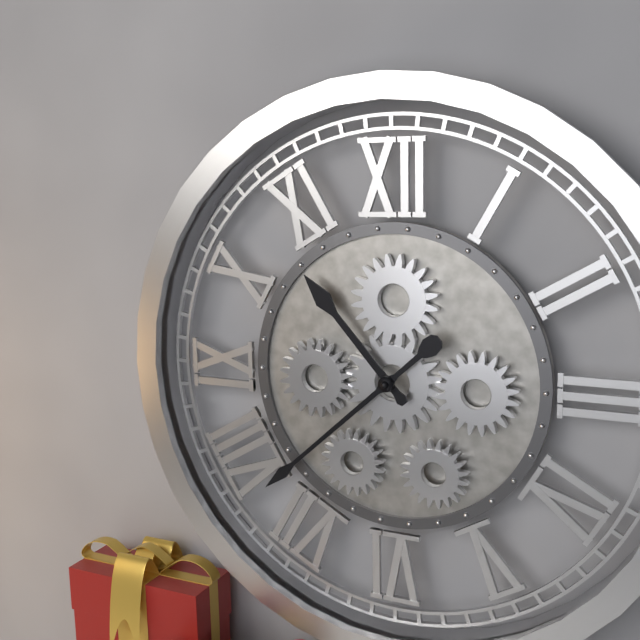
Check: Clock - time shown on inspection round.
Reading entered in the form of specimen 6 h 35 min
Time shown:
10 h 38 min
